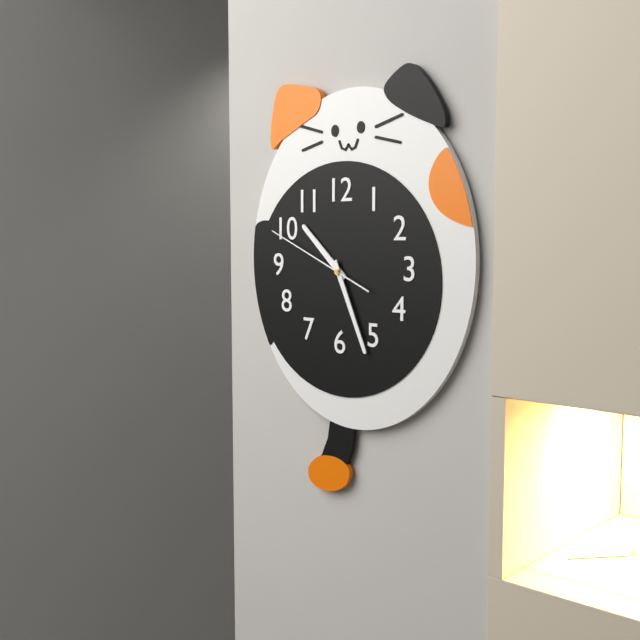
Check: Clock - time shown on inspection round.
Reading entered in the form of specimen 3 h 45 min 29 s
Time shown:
10 h 26 min 49 s
